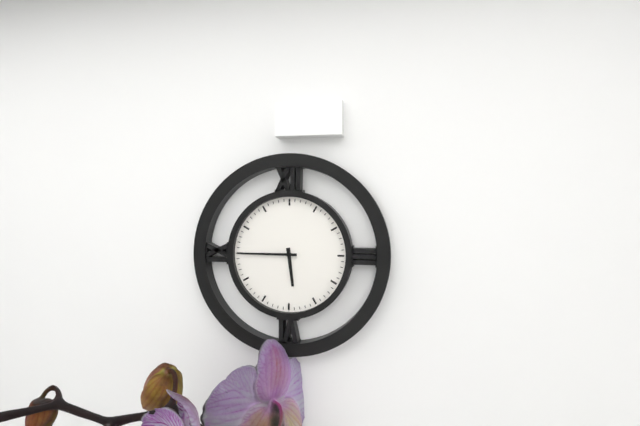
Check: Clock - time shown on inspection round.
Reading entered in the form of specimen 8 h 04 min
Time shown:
5 h 45 min
